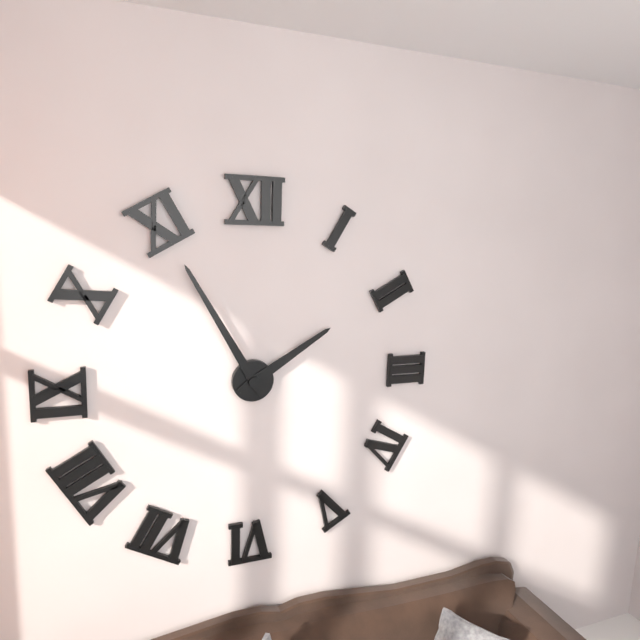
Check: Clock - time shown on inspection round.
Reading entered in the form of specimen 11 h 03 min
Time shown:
1 h 55 min
